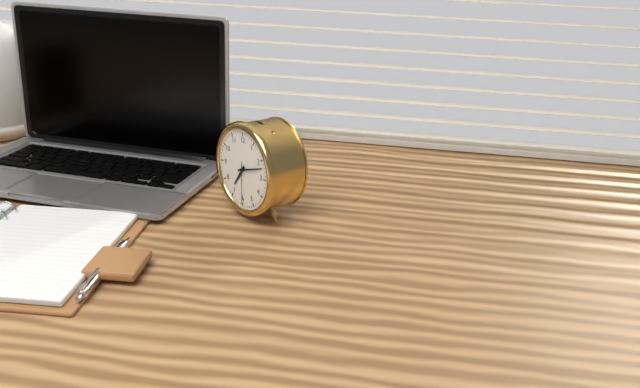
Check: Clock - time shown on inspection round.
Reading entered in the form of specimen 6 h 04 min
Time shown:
7 h 12 min
